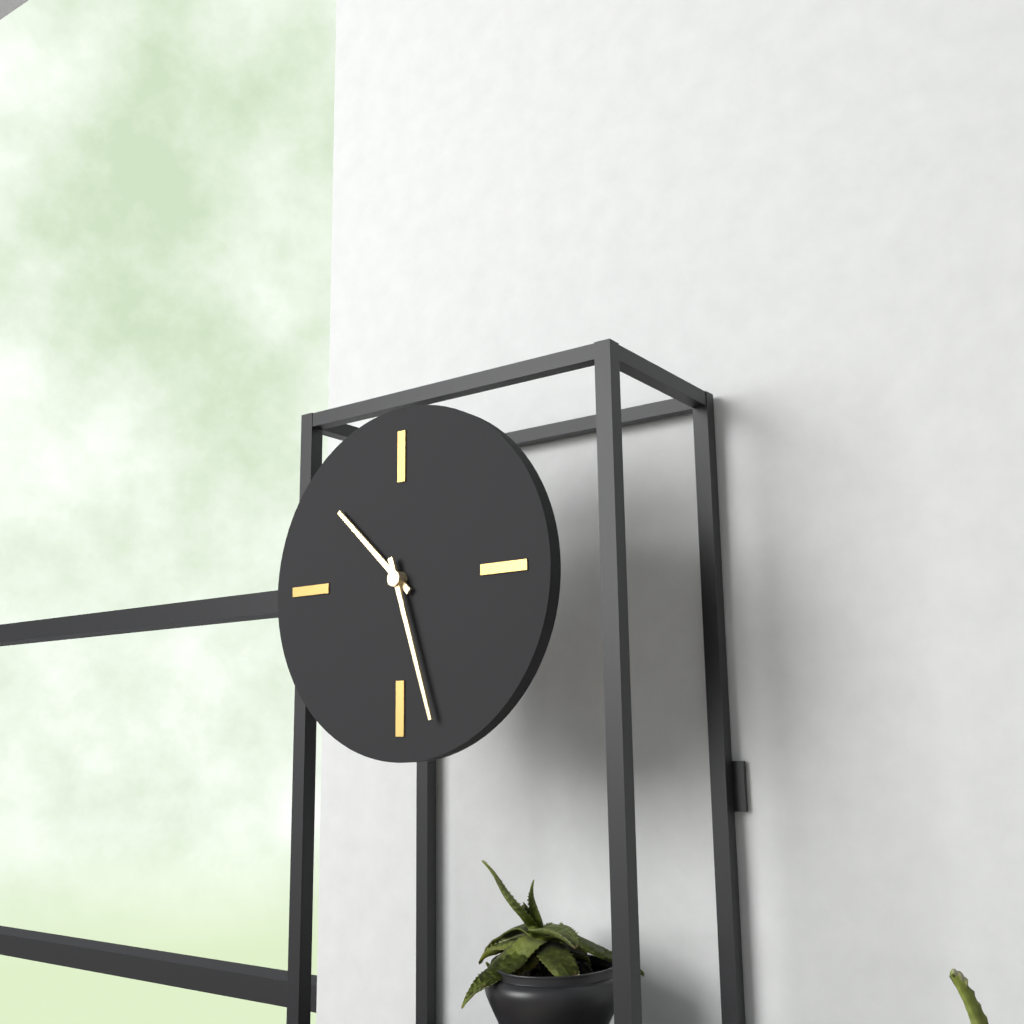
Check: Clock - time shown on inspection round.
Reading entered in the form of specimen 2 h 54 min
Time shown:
10 h 27 min
